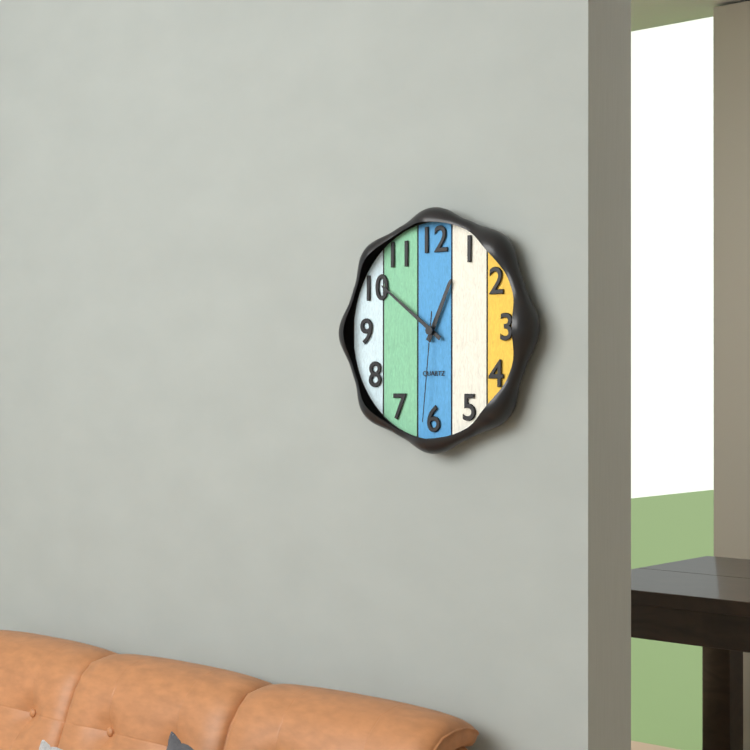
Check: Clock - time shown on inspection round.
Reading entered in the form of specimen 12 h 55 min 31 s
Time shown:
12 h 51 min 31 s
